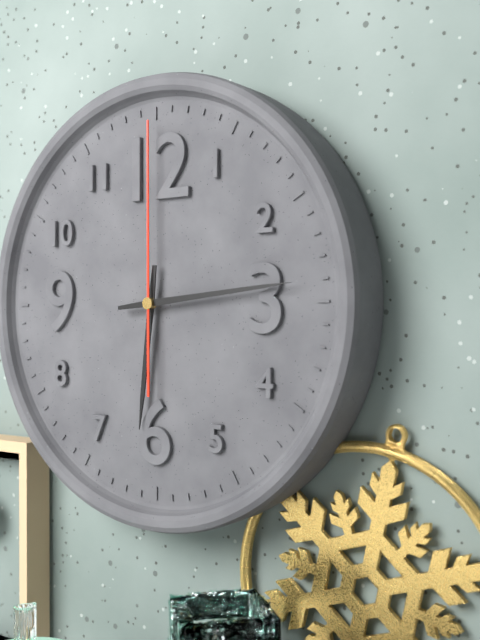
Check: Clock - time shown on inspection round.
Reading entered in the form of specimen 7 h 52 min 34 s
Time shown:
6 h 14 min 00 s
